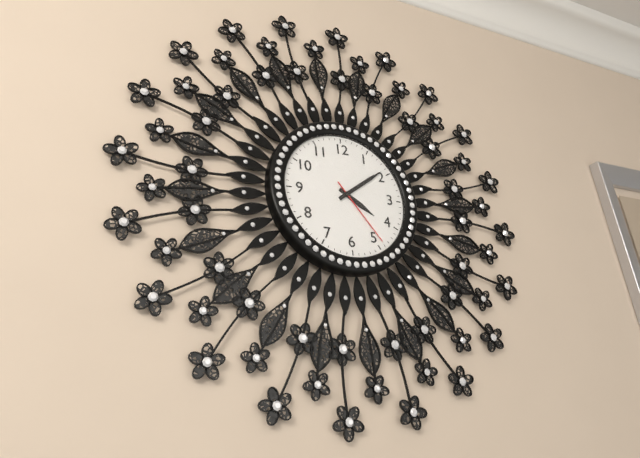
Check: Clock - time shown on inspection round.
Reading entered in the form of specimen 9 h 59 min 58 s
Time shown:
4 h 09 min 24 s
